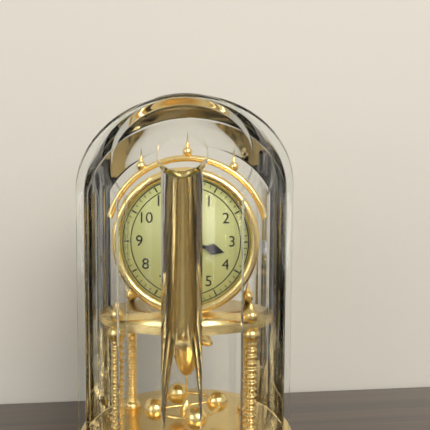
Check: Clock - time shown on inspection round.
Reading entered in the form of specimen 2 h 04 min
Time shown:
3 h 30 min
